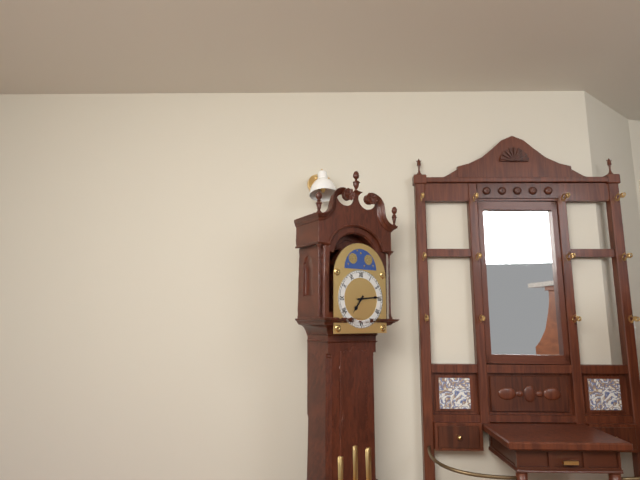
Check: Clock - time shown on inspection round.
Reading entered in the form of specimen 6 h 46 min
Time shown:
7 h 14 min
